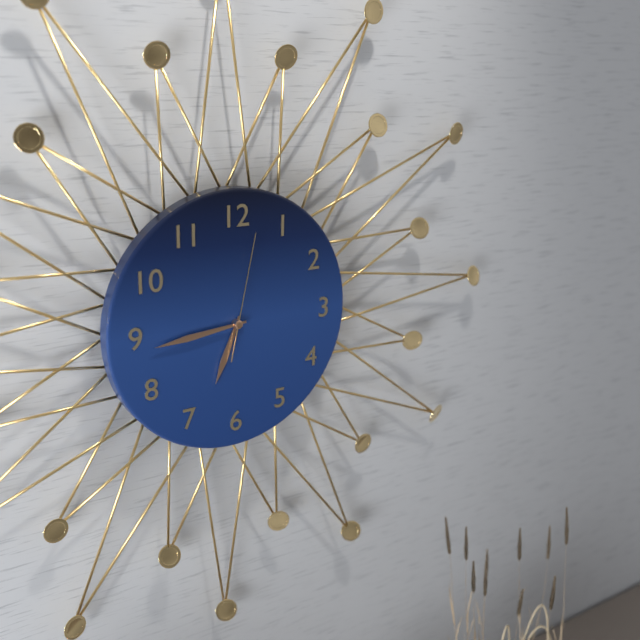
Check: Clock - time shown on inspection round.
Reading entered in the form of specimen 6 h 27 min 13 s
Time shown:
6 h 44 min 02 s
